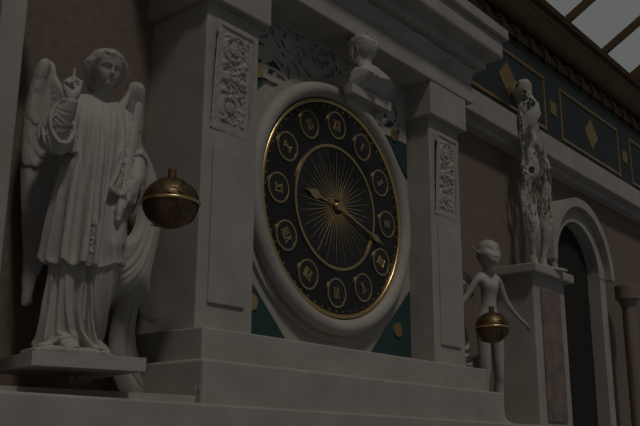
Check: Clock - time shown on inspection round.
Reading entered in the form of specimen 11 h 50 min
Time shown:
9 h 18 min
